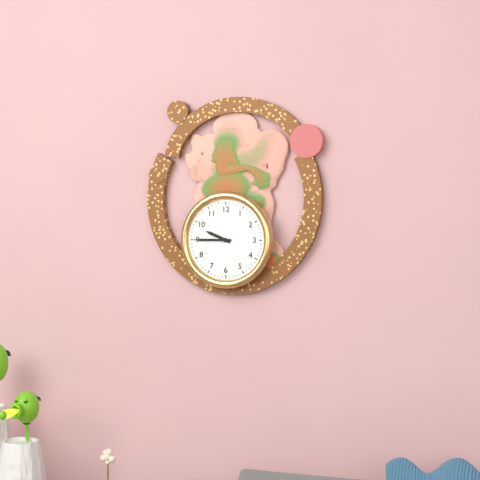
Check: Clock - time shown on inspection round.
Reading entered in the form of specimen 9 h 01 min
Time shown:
9 h 45 min
